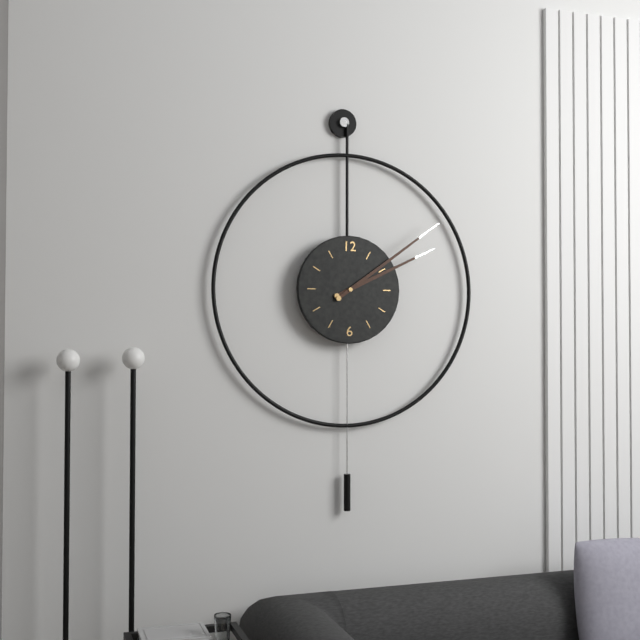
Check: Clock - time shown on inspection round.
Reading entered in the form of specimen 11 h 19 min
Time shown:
2 h 09 min
